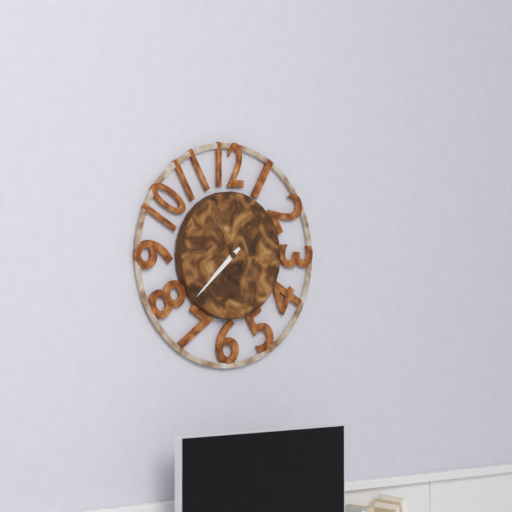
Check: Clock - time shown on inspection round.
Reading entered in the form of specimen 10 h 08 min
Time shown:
7 h 38 min
